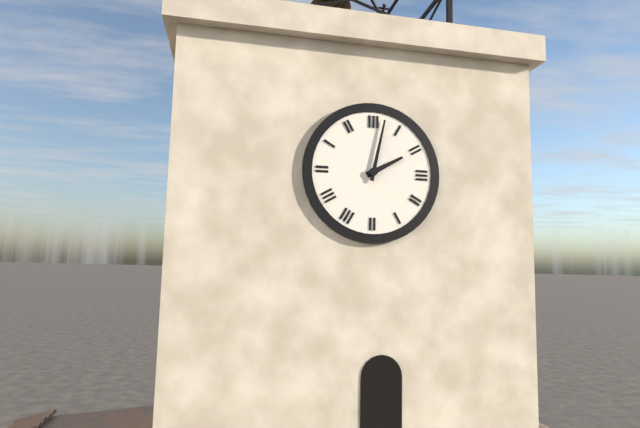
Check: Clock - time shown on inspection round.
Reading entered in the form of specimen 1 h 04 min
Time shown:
2 h 02 min
